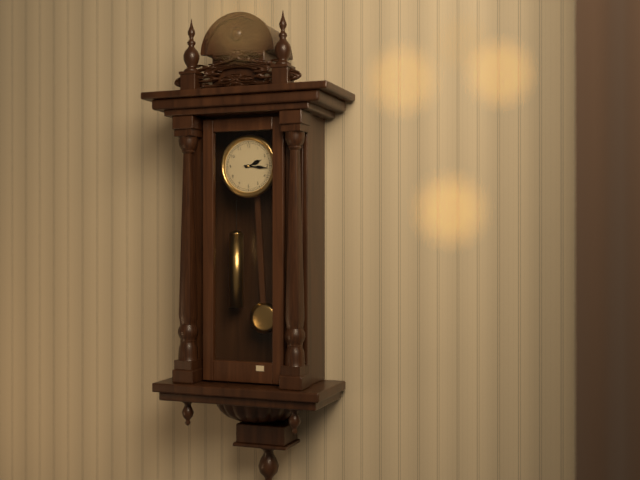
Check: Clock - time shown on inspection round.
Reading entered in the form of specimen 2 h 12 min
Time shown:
2 h 16 min
